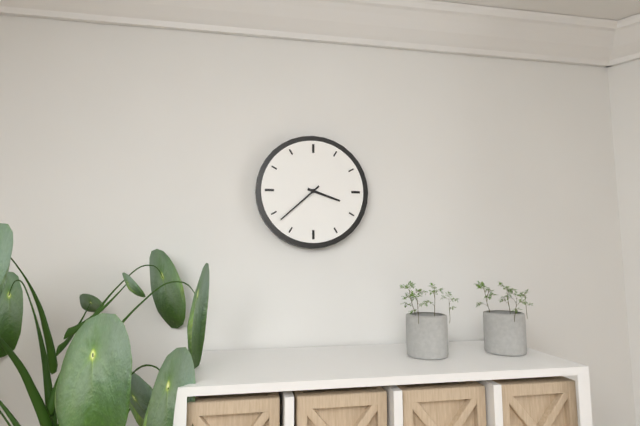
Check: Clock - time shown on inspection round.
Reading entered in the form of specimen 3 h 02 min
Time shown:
3 h 38 min
